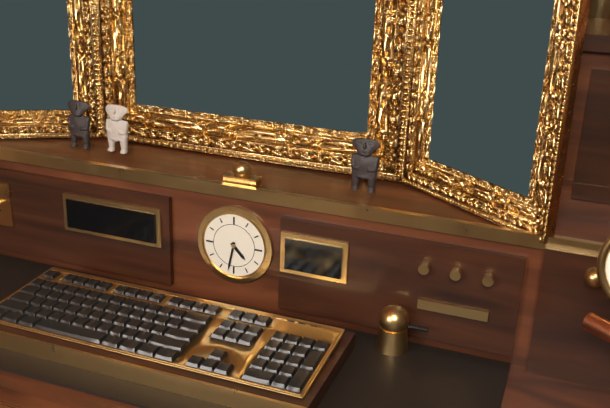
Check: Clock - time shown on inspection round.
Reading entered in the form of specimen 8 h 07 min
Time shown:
4 h 32 min
